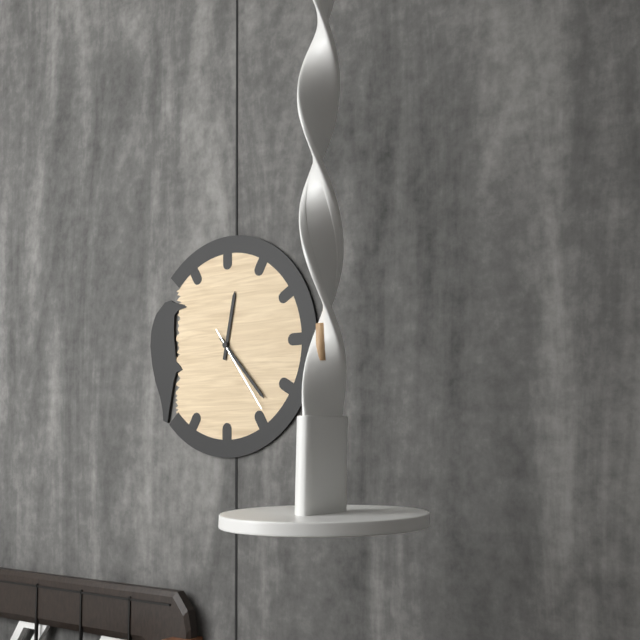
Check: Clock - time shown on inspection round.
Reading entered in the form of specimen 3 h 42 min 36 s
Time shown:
12 h 23 min 24 s
